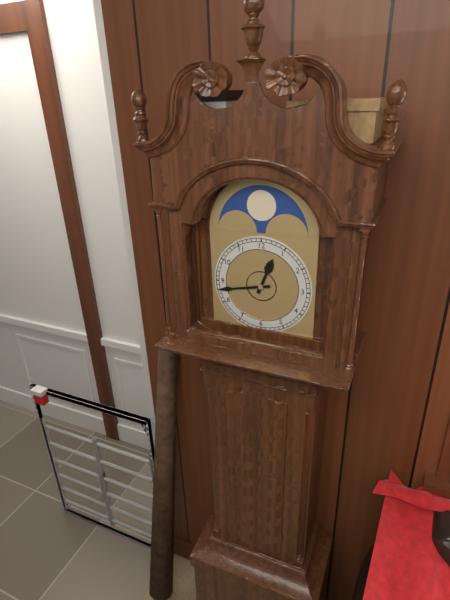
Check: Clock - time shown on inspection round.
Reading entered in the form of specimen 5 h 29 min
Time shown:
12 h 43 min
